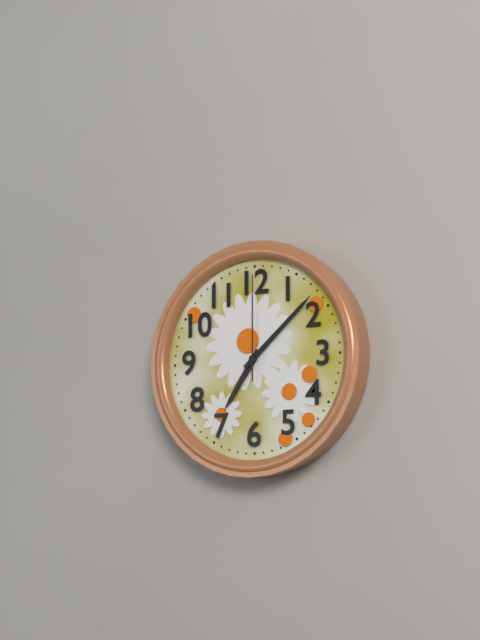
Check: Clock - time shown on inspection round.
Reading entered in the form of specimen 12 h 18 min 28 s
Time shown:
7 h 08 min 00 s
